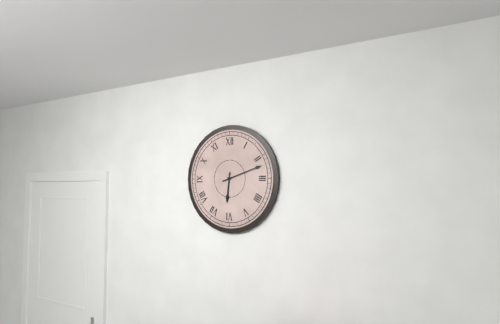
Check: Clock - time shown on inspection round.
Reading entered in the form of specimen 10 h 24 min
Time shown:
6 h 12 min
